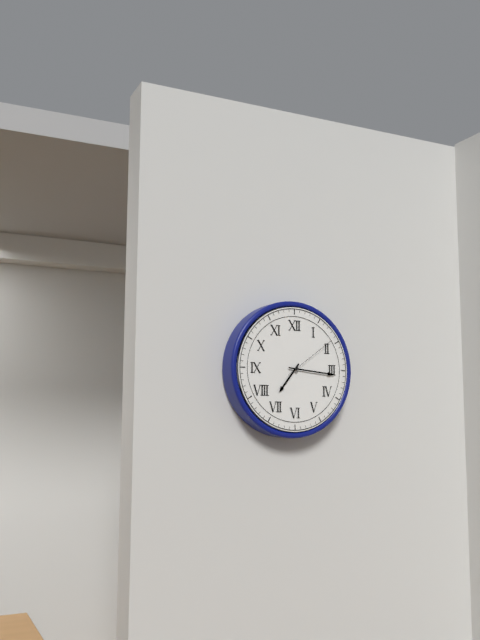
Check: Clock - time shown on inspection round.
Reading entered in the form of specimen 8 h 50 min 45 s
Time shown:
7 h 16 min 09 s
